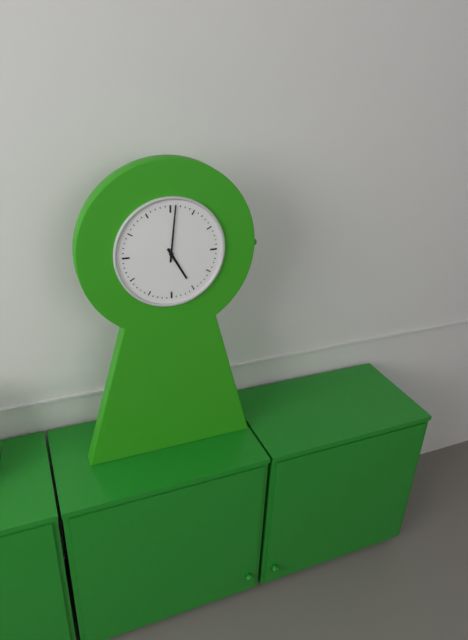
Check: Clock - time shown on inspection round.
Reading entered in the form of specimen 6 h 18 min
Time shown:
5 h 01 min
